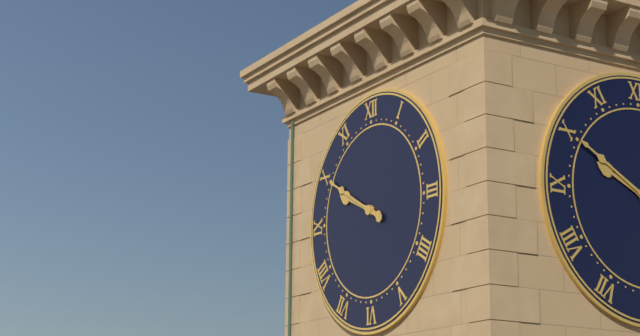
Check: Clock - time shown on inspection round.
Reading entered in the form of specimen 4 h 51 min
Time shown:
9 h 50 min
